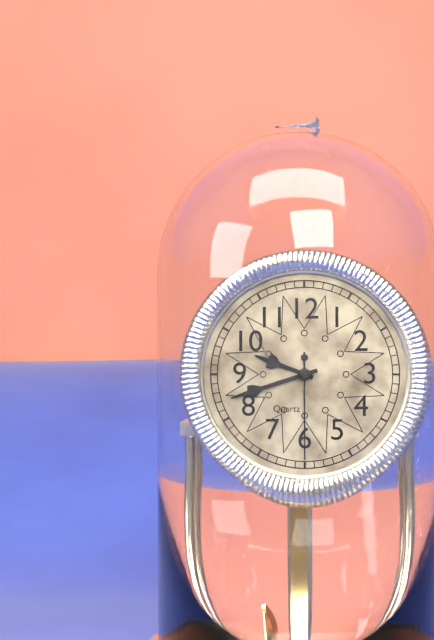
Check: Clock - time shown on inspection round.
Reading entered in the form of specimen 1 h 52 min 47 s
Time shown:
9 h 42 min 30 s
